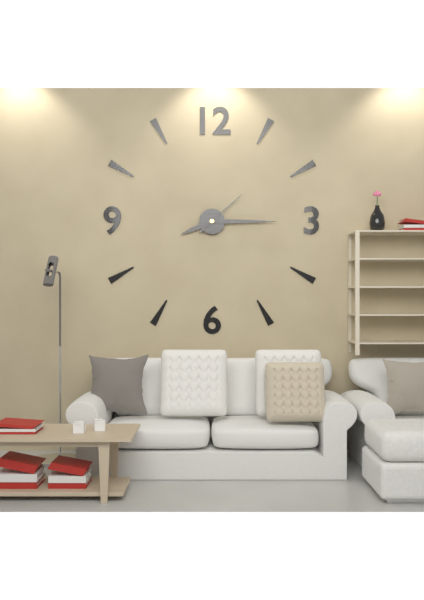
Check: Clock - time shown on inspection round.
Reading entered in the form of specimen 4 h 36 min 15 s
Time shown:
8 h 15 min 08 s
